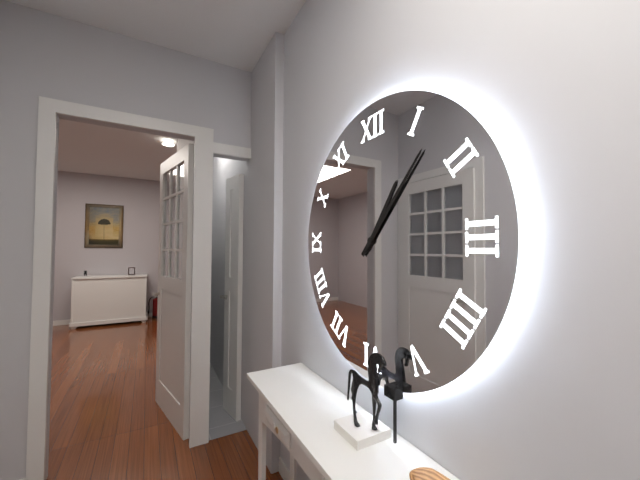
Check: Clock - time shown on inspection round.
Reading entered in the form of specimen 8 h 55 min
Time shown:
1 h 07 min
